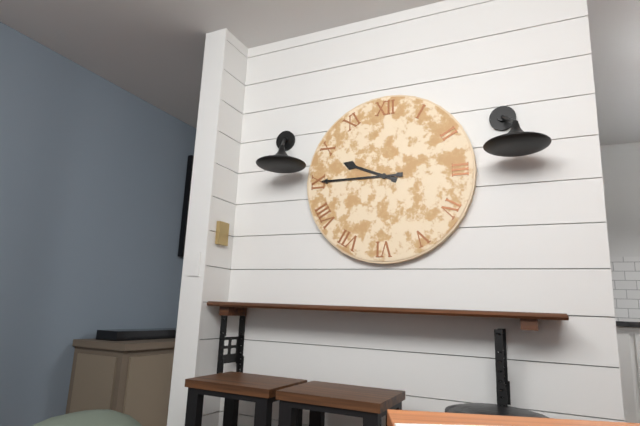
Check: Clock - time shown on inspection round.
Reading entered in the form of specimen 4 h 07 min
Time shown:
9 h 45 min
